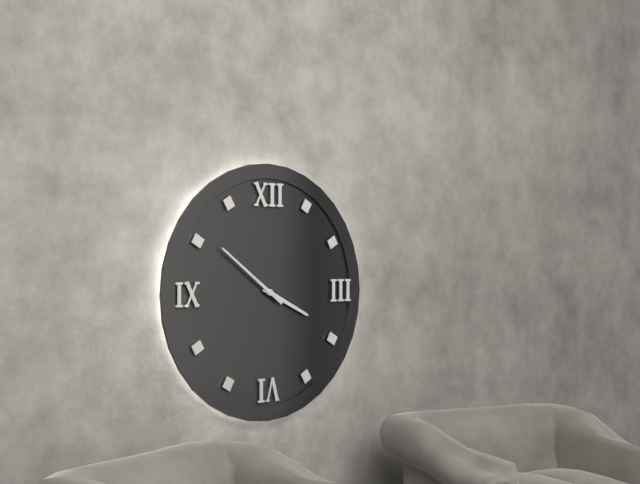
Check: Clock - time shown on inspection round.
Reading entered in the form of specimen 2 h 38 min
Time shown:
3 h 51 min
